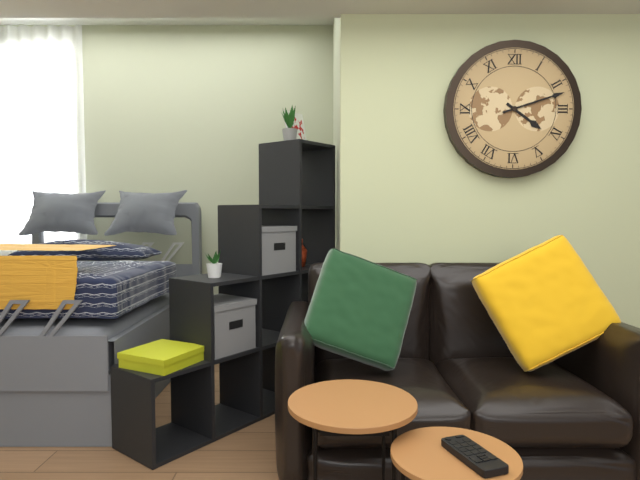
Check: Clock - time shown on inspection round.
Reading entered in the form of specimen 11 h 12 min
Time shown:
4 h 12 min
